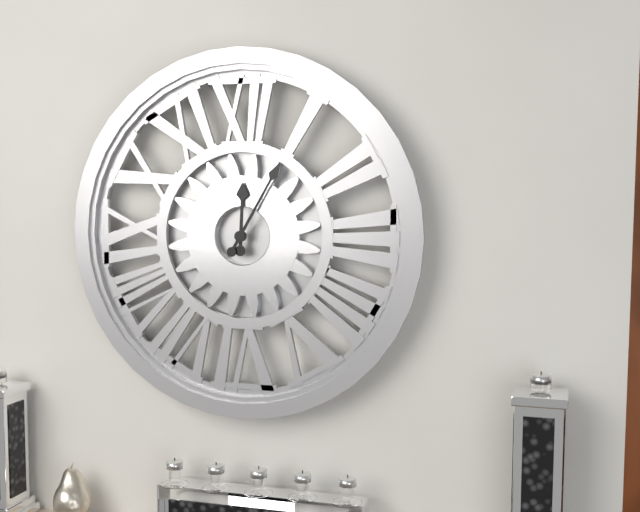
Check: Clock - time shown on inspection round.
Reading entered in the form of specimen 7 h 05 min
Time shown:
12 h 05 min
